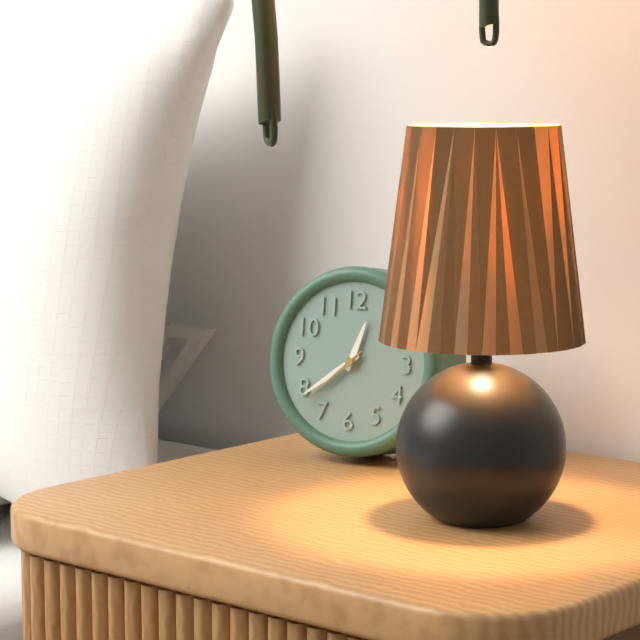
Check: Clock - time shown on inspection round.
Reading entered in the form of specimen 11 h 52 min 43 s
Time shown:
12 h 39 min 38 s
